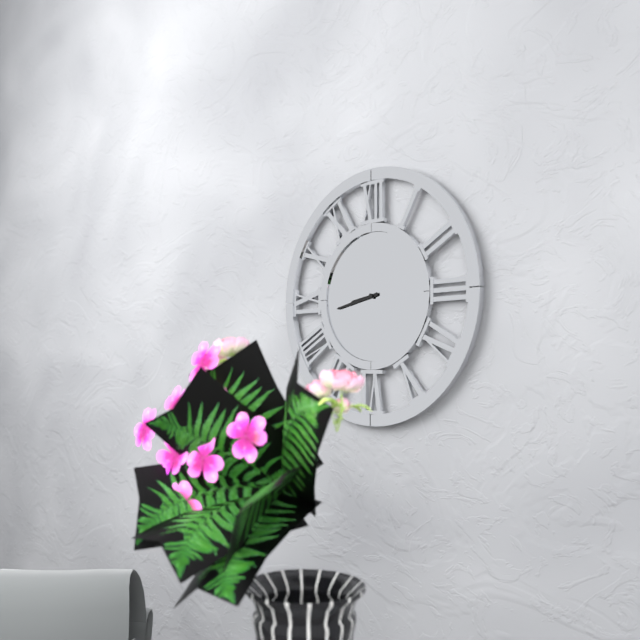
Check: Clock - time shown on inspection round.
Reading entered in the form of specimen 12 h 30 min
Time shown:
8 h 43 min
